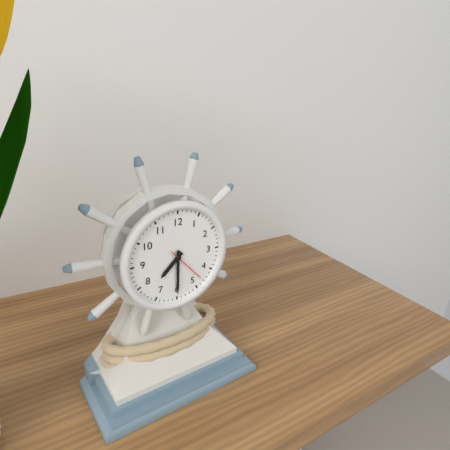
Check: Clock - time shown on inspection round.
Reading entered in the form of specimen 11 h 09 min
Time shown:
7 h 30 min
